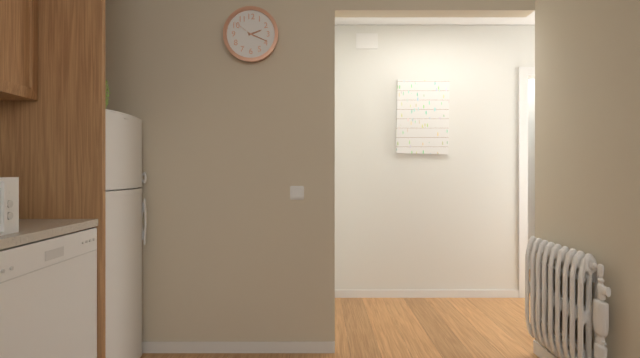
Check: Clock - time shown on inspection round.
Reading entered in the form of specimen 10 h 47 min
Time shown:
2 h 19 min
